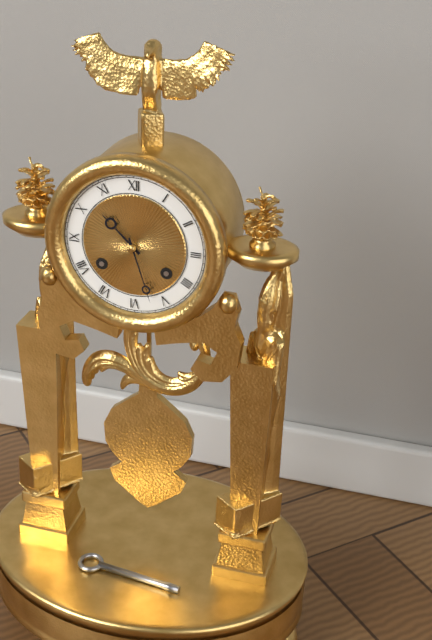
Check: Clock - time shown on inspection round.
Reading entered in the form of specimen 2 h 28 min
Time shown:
10 h 27 min
